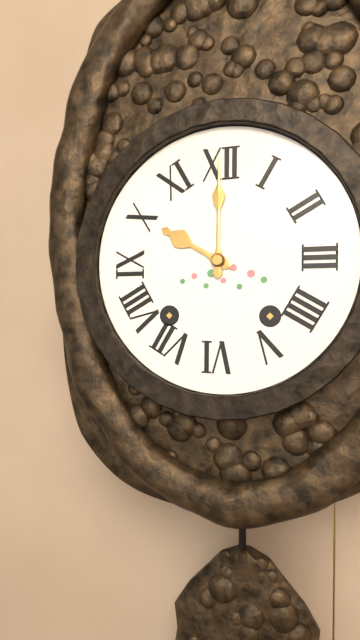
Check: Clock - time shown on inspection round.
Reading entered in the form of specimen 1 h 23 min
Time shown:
10 h 00 min
